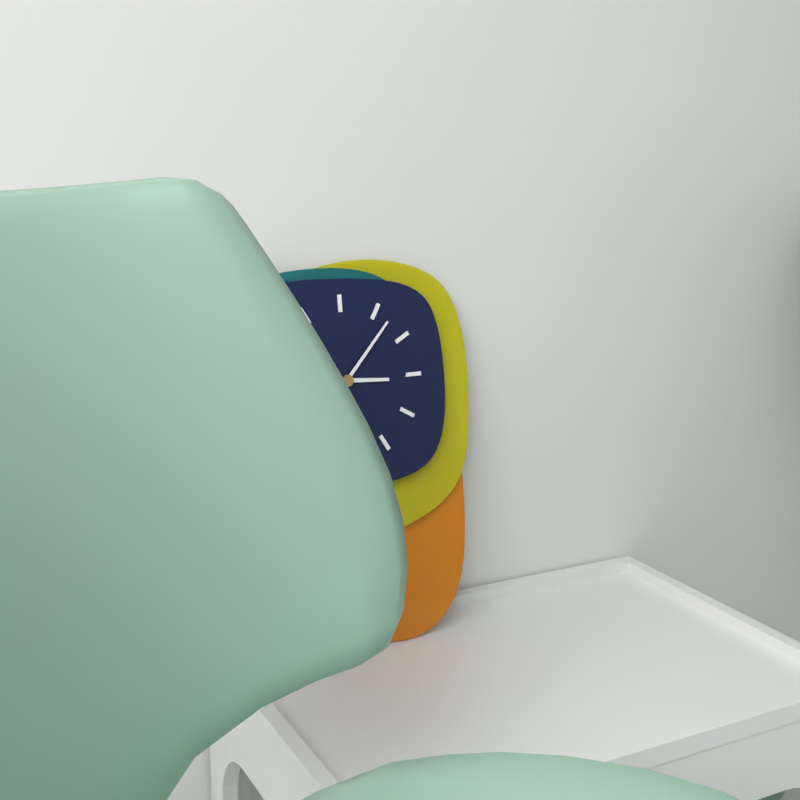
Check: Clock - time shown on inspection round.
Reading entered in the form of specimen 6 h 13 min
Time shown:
3 h 07 min
